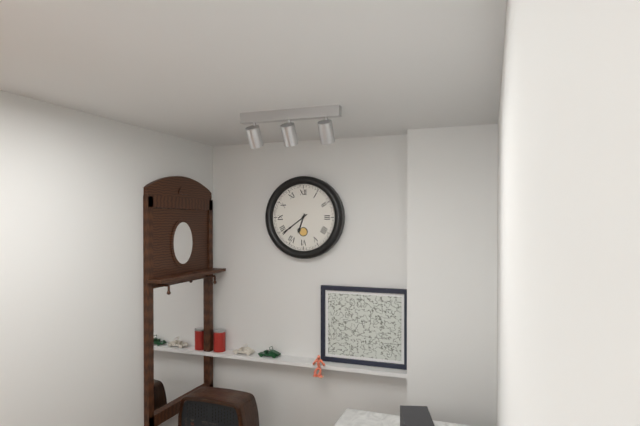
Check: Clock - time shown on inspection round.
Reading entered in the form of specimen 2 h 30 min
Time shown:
6 h 39 min
